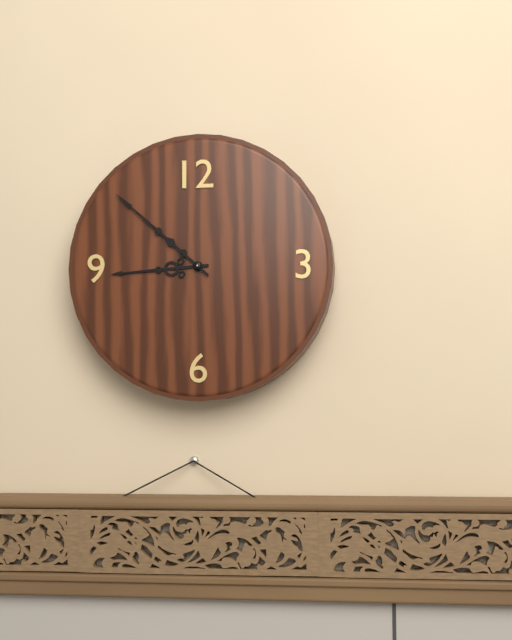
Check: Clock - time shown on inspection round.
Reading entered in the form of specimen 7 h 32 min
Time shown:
8 h 52 min
